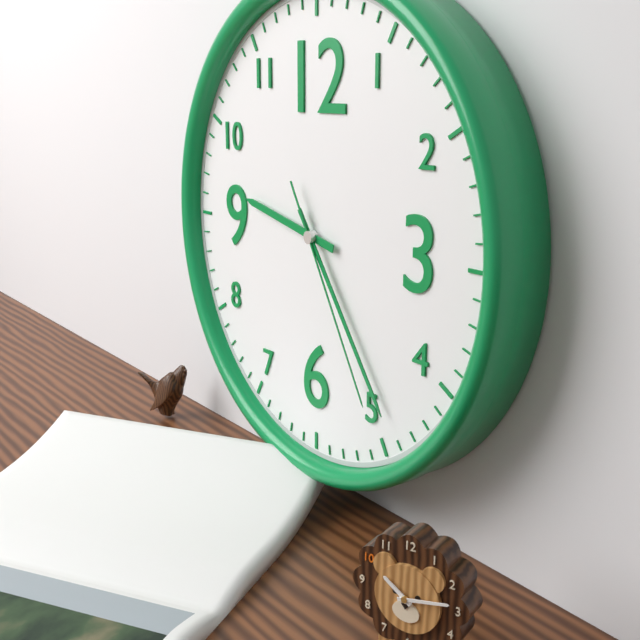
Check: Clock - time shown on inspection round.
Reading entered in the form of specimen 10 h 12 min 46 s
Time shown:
9 h 24 min 25 s
